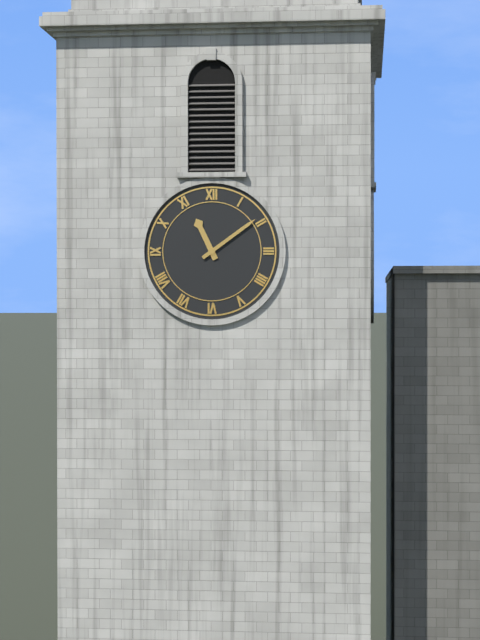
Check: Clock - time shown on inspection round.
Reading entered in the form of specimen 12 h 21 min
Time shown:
11 h 09 min
